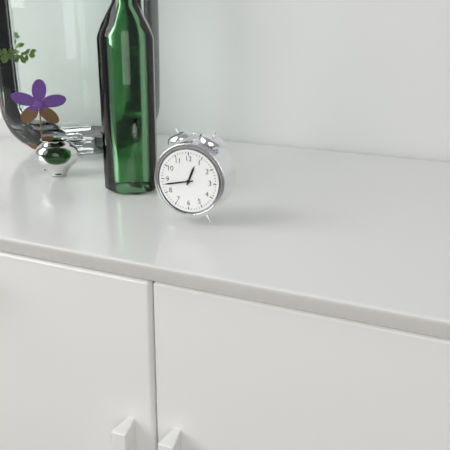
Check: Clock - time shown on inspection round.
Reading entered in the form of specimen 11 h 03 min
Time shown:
12 h 43 min
